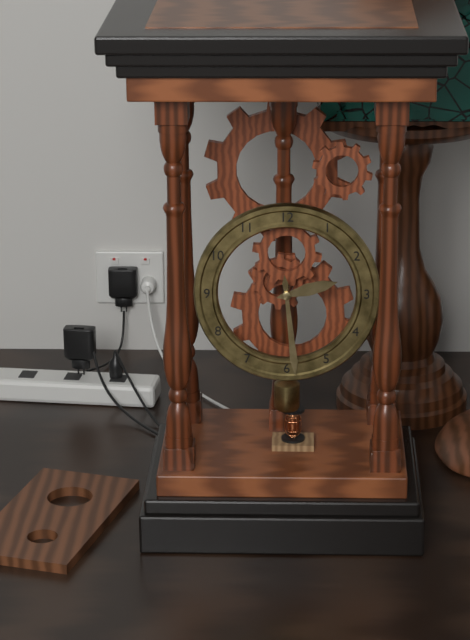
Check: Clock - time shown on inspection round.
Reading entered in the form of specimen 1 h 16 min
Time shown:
2 h 29 min
